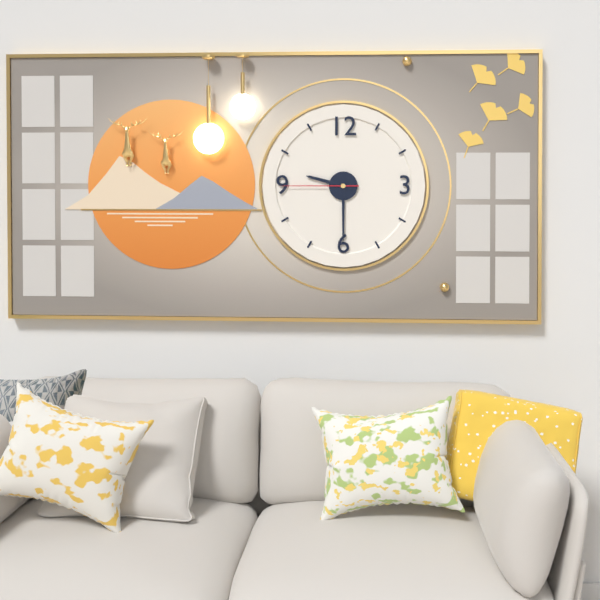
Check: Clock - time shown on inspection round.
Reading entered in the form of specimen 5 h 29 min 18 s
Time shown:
9 h 30 min 45 s
